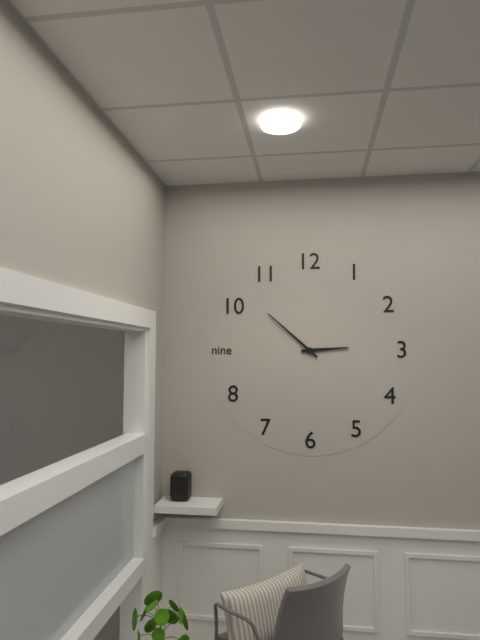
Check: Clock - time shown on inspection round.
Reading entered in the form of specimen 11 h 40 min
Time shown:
2 h 52 min
